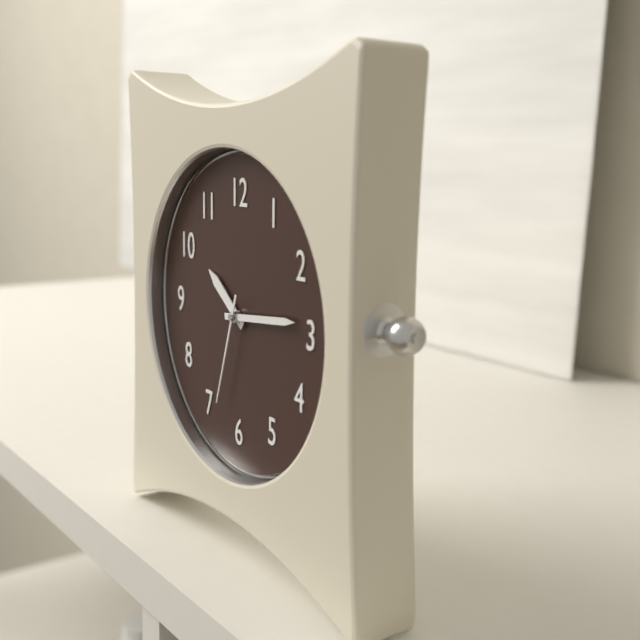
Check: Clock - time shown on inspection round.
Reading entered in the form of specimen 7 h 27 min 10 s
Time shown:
10 h 14 min 33 s
